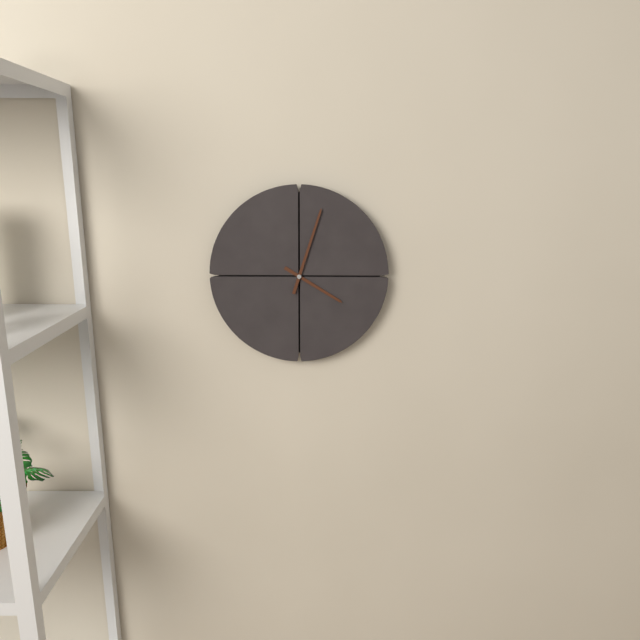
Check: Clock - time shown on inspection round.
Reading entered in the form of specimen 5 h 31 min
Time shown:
4 h 03 min
